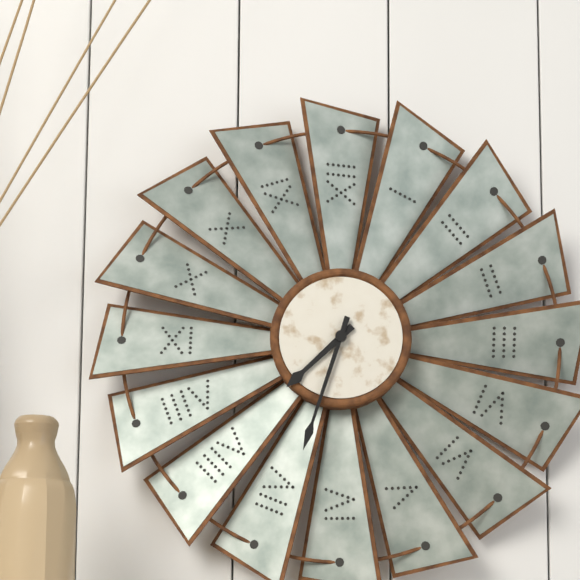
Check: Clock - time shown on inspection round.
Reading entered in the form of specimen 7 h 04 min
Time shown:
7 h 33 min
